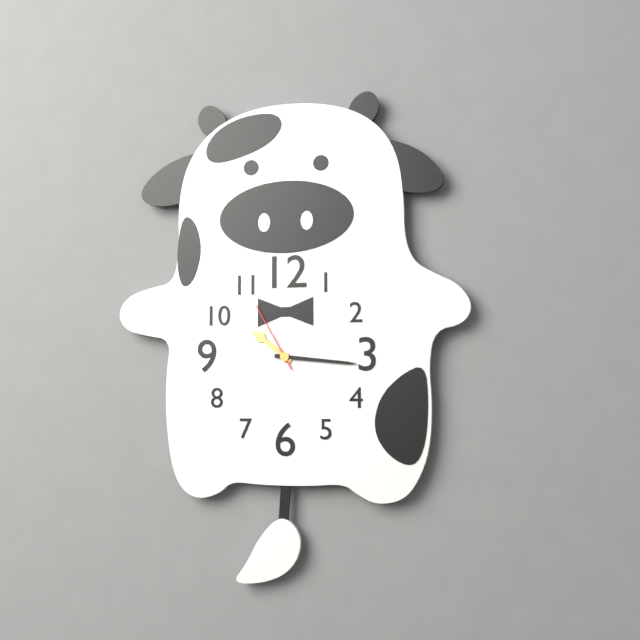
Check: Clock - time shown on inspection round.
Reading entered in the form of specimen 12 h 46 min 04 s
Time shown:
10 h 16 min 55 s
